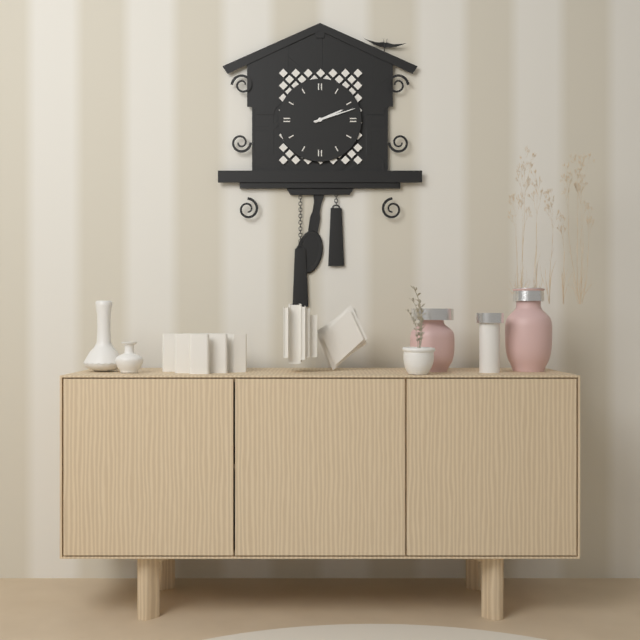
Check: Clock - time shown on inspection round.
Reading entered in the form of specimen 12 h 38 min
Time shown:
2 h 12 min
